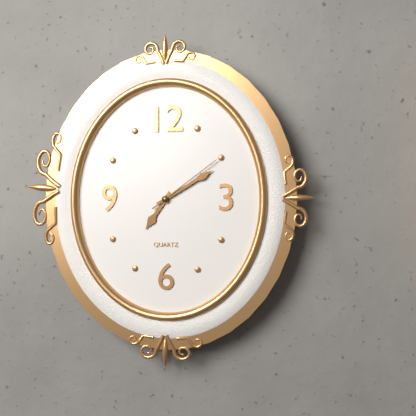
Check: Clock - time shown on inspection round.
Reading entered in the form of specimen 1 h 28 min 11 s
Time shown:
7 h 10 min 09 s
